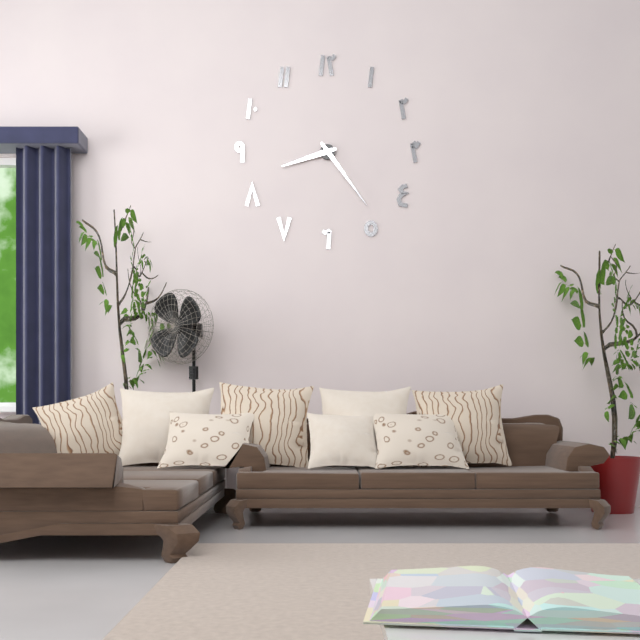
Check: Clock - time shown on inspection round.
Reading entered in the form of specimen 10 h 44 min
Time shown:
8 h 24 min
